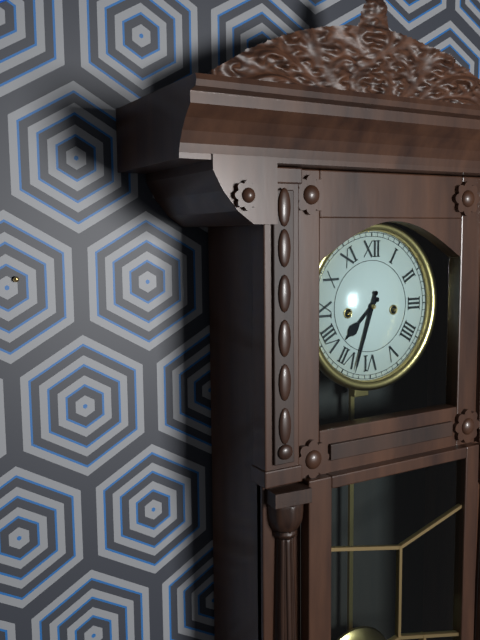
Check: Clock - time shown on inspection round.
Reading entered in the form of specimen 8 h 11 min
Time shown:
7 h 33 min
